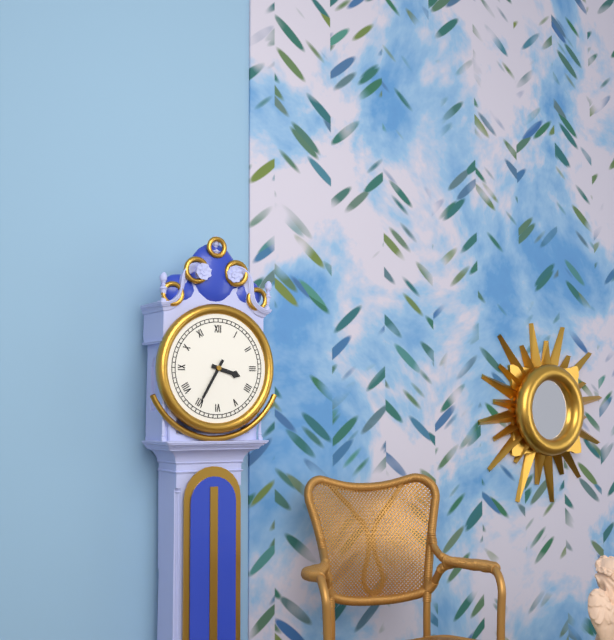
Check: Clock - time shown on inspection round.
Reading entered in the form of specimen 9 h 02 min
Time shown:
3 h 35 min
